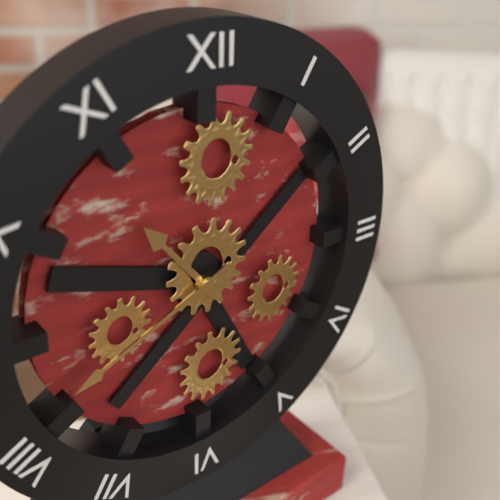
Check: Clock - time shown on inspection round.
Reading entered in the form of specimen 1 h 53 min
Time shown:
10 h 41 min
